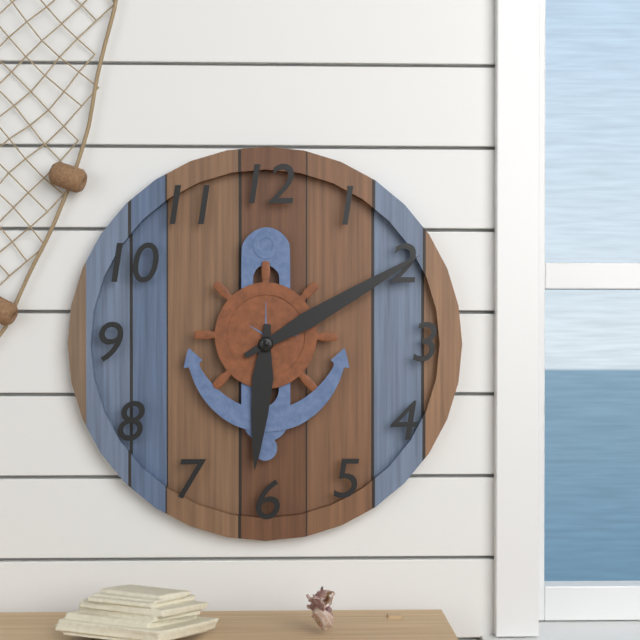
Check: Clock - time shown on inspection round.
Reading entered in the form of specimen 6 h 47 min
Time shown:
6 h 10 min
